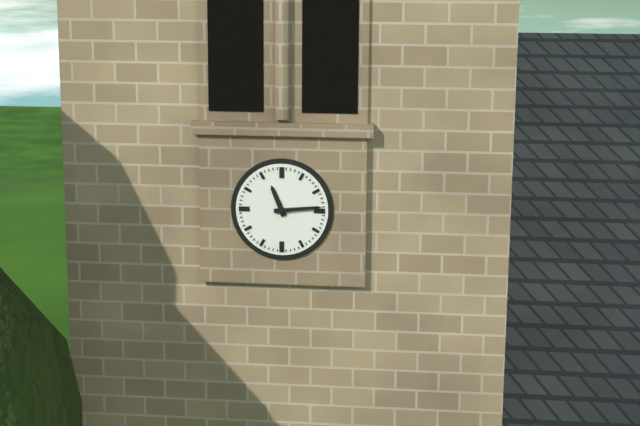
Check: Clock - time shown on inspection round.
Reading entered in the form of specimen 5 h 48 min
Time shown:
11 h 14 min
